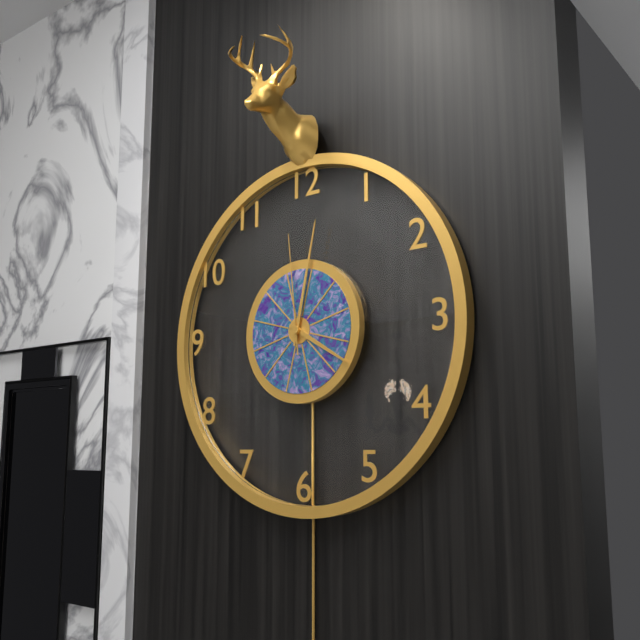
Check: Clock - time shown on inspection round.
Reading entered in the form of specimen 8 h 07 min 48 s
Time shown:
4 h 02 min 59 s
